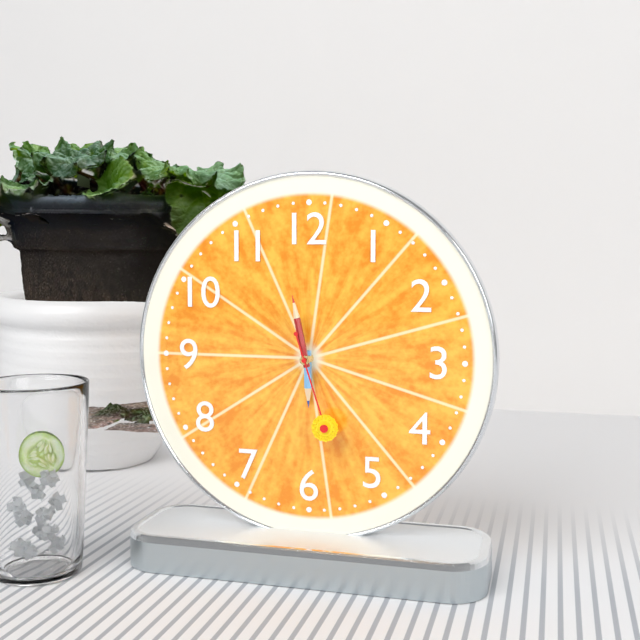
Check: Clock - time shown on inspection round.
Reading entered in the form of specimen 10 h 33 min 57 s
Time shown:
5 h 58 min 27 s
